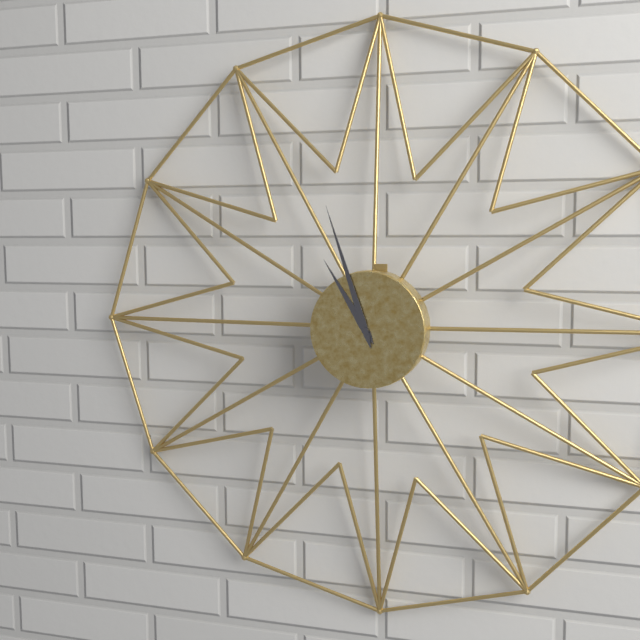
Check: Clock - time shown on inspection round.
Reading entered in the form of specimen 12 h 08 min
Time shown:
10 h 57 min
